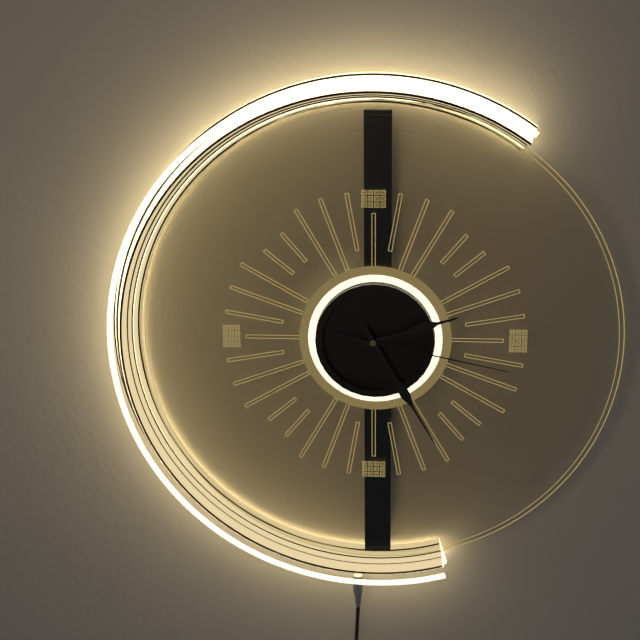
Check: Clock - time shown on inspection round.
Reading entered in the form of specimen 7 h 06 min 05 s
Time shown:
2 h 25 min 17 s
